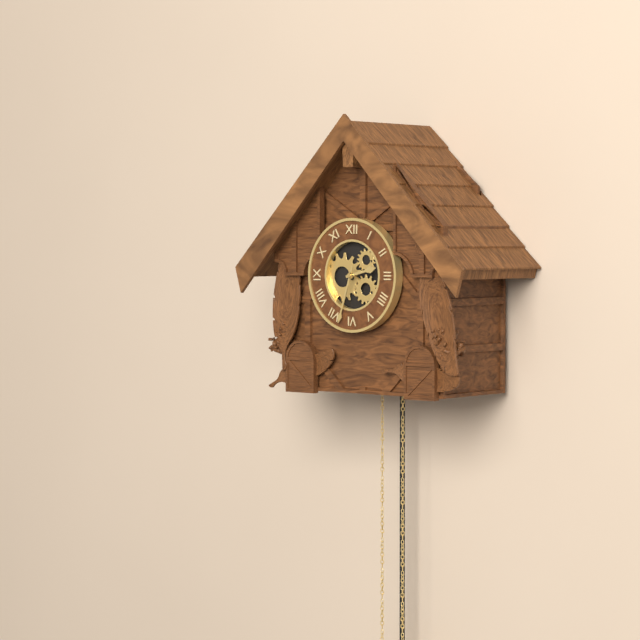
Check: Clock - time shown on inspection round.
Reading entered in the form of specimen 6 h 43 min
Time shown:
2 h 33 min
